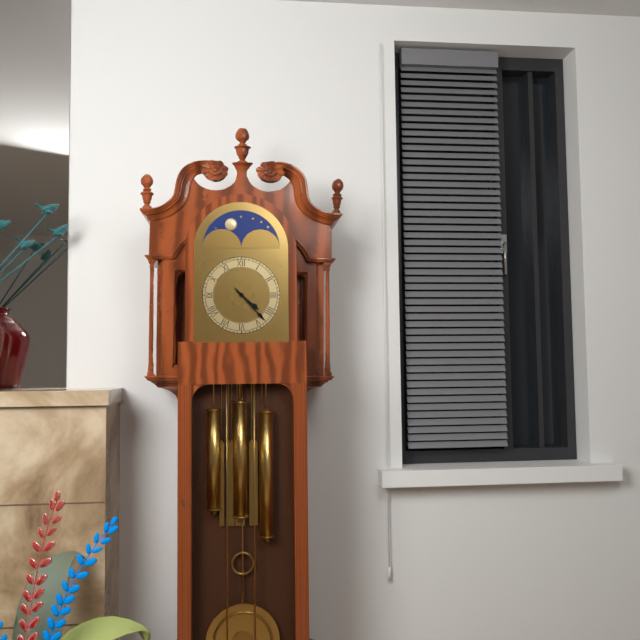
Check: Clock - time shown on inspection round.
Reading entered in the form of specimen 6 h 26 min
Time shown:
4 h 23 min
